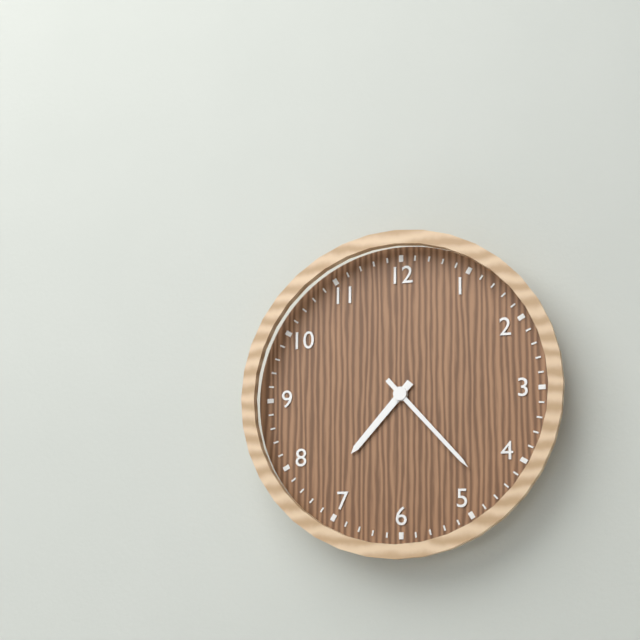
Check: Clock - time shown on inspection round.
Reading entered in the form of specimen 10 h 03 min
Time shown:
7 h 23 min
